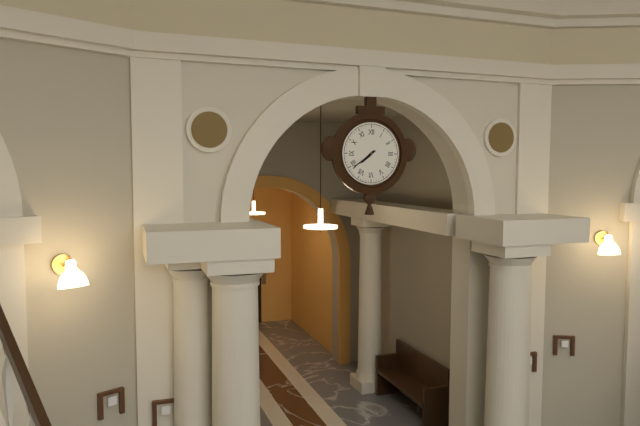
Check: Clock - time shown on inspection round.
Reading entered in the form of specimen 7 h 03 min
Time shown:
7 h 39 min
